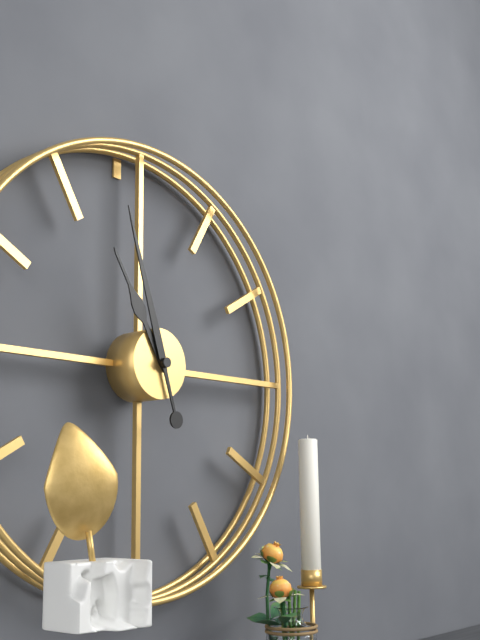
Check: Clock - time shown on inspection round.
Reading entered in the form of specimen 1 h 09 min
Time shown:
10 h 57 min
